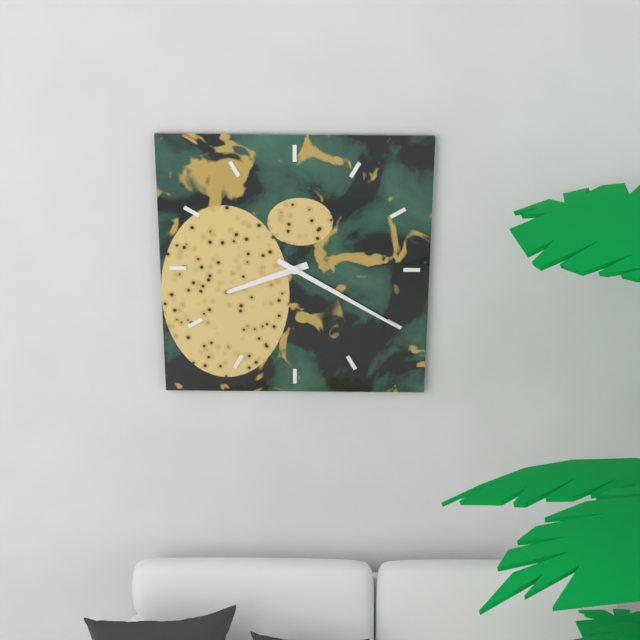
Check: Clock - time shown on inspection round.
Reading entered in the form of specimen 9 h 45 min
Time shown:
8 h 20 min
